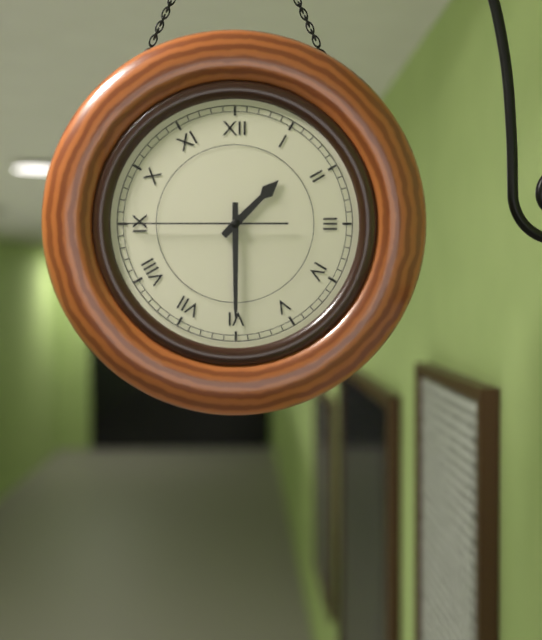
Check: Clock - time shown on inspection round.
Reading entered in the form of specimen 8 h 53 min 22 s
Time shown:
1 h 30 min 45 s
